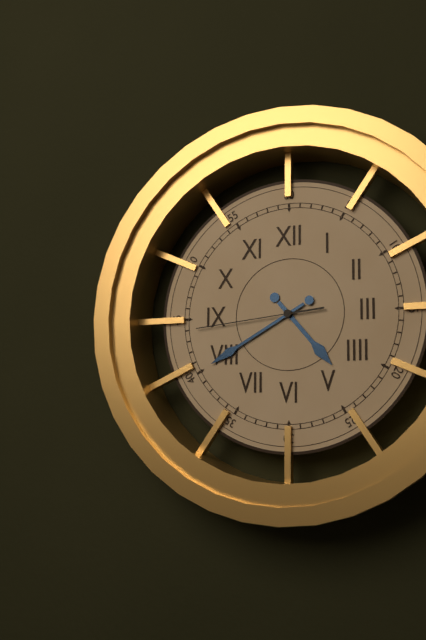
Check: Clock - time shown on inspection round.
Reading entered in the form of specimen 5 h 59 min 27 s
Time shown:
4 h 40 min 44 s
